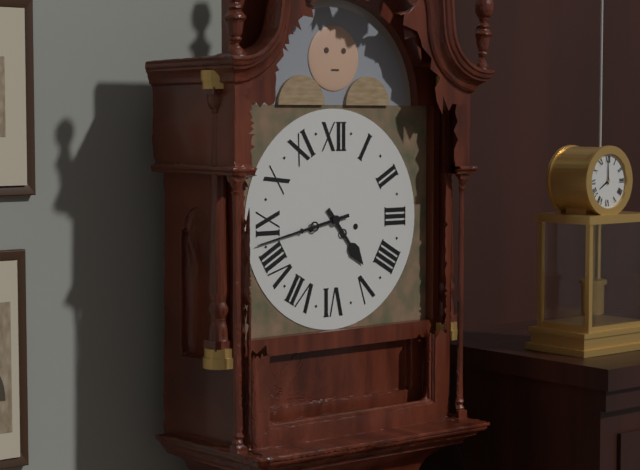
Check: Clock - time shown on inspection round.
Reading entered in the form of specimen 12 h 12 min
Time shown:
4 h 43 min
